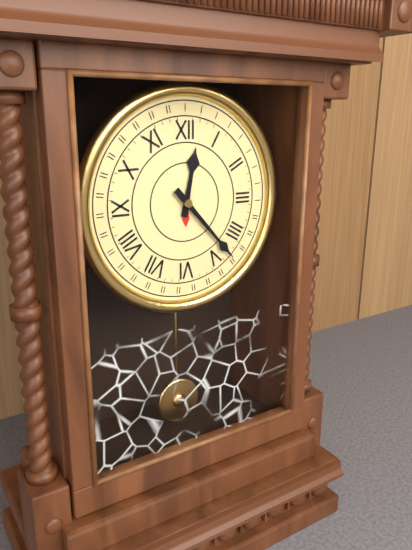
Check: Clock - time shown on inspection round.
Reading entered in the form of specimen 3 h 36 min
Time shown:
12 h 23 min
